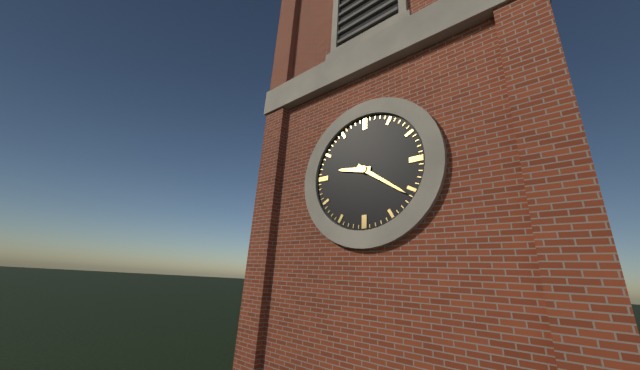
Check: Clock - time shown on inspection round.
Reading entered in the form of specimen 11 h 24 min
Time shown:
9 h 21 min
